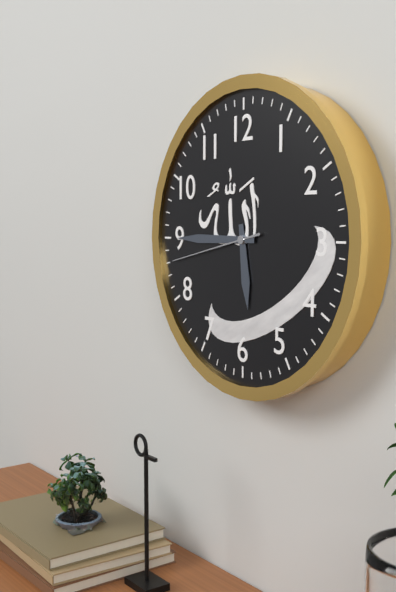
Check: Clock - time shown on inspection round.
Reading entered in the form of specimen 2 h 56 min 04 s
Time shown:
5 h 45 min 43 s
